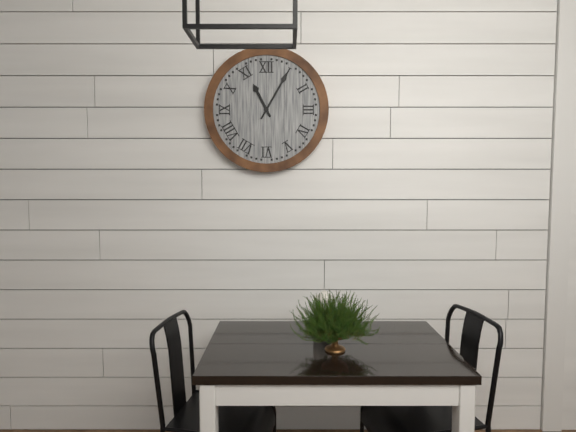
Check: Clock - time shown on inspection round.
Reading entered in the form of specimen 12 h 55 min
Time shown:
11 h 05 min
